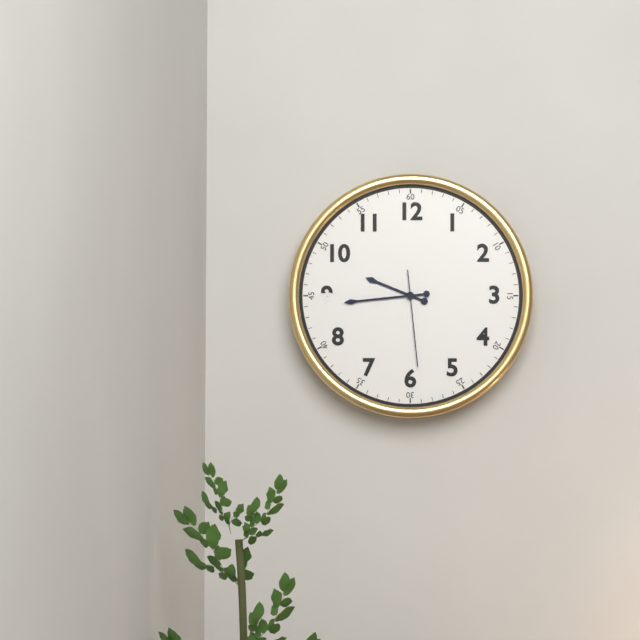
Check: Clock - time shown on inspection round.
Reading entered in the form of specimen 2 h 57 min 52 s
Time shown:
9 h 44 min 29 s
